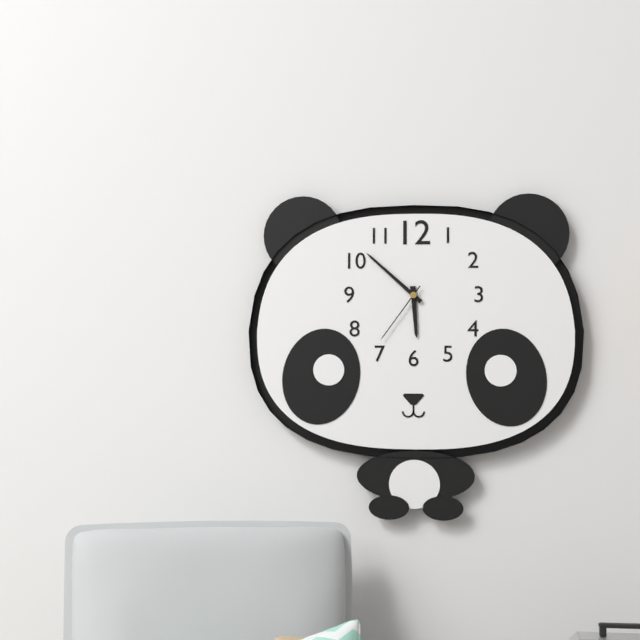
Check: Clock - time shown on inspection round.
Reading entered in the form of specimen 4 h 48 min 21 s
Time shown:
5 h 52 min 36 s
